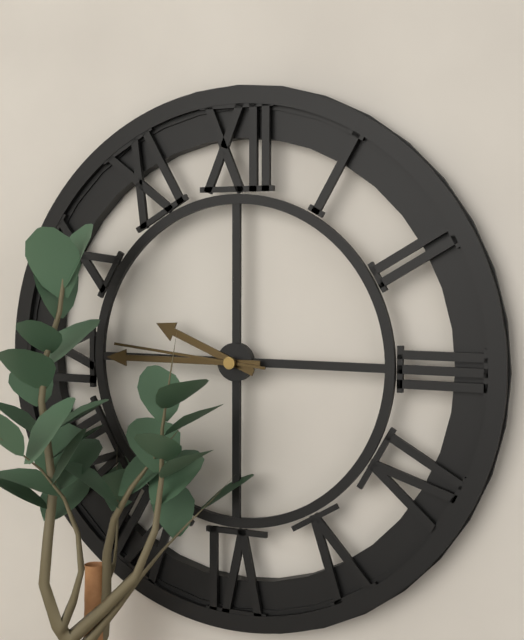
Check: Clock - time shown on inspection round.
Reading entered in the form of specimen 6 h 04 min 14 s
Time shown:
9 h 45 min 46 s
